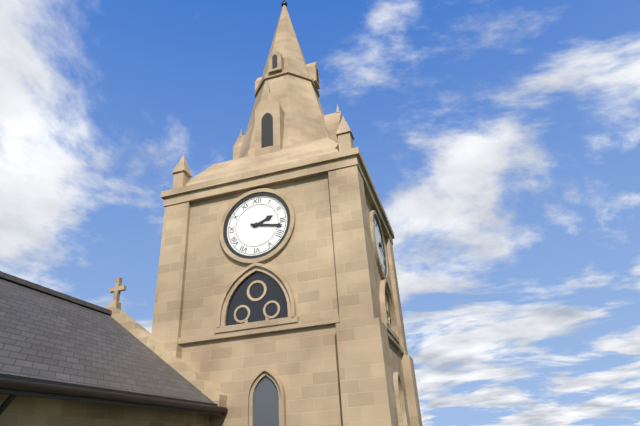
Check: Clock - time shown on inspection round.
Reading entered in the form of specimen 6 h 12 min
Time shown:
2 h 17 min
